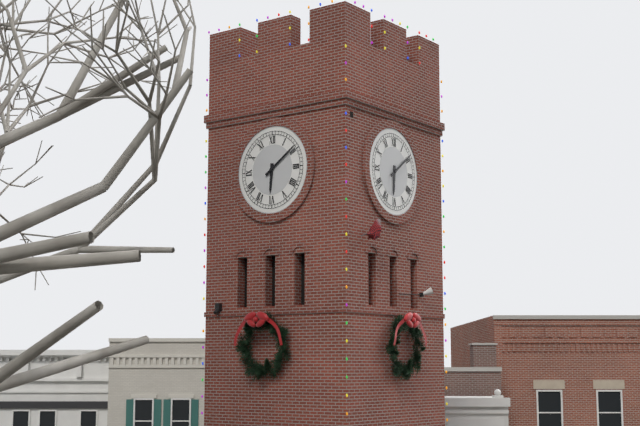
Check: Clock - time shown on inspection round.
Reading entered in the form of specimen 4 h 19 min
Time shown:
6 h 09 min
